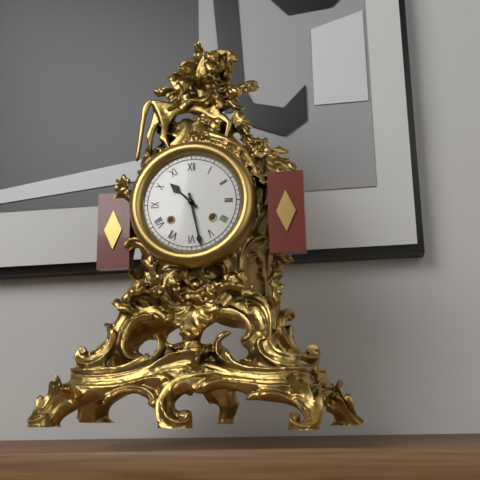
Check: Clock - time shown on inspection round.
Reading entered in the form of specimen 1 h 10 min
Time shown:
10 h 28 min
